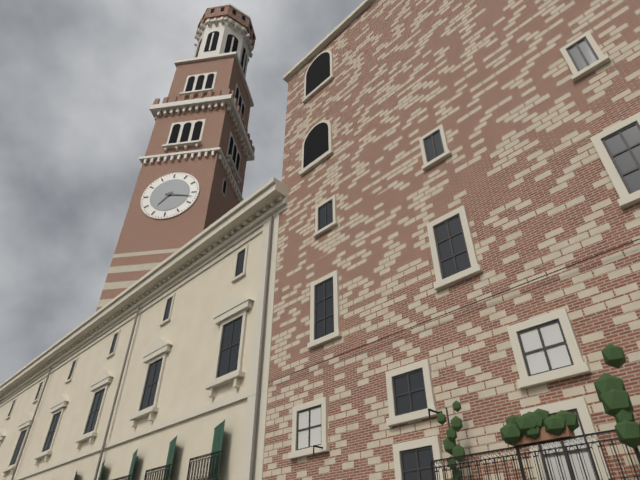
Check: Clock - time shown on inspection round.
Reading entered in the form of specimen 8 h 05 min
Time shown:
7 h 17 min
